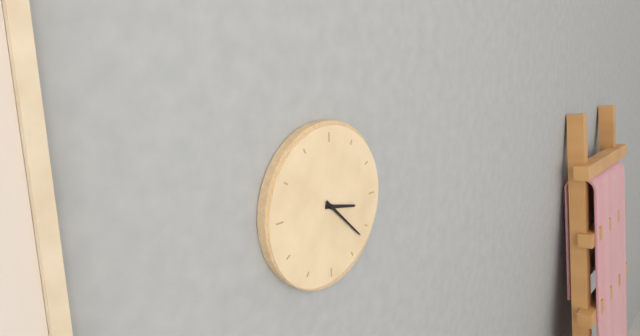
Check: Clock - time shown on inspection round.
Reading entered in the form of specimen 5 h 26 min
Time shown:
3 h 22 min
